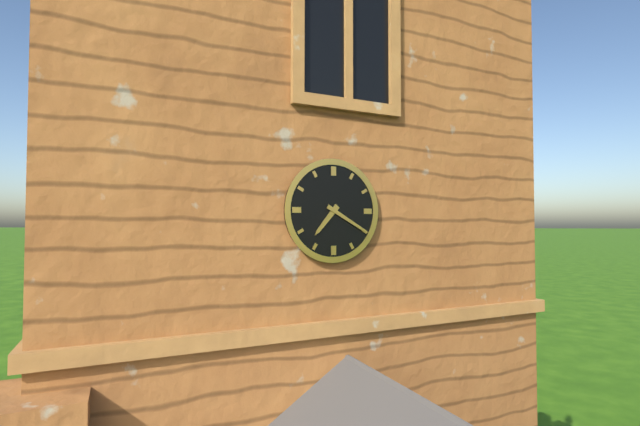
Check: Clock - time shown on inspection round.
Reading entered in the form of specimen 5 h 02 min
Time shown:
7 h 20 min
